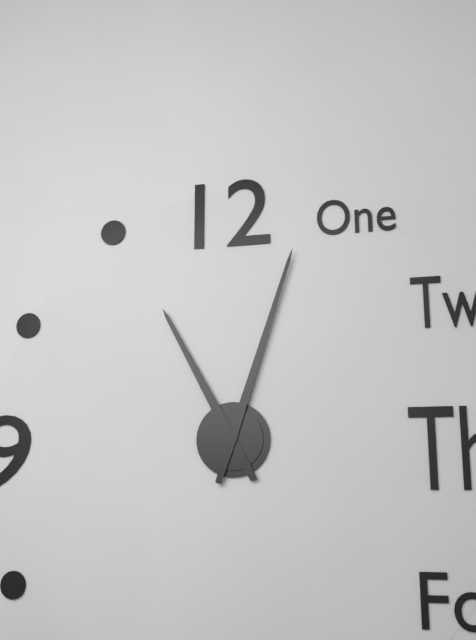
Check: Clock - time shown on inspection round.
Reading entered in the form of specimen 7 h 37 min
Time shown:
11 h 03 min
